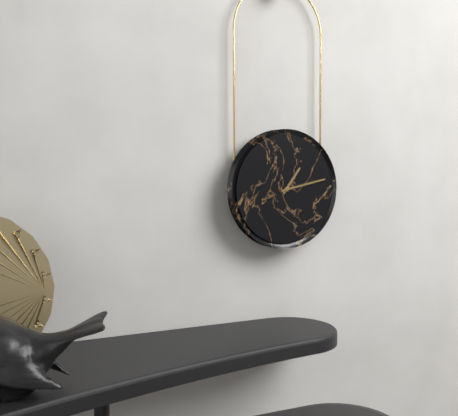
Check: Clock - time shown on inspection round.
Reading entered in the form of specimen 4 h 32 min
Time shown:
1 h 13 min
